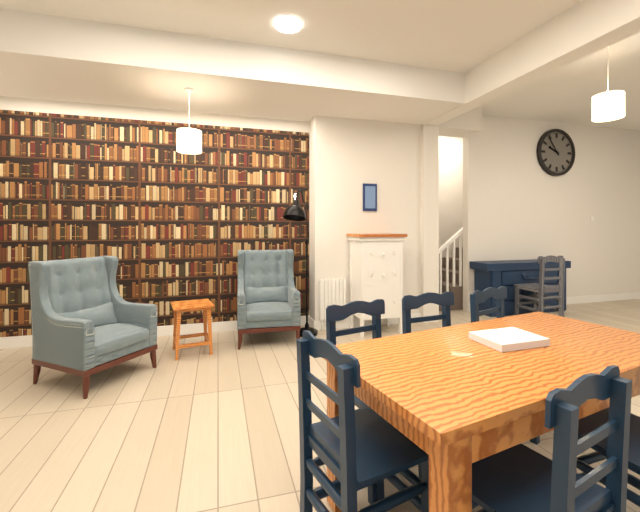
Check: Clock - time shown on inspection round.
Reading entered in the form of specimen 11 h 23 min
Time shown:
9 h 54 min
